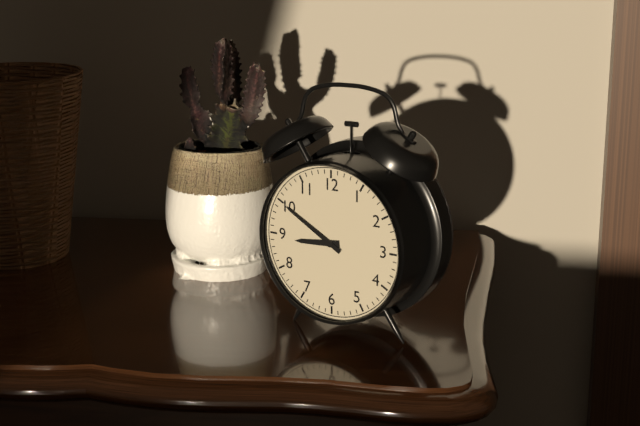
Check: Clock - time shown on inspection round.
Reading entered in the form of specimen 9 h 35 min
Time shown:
8 h 50 min
